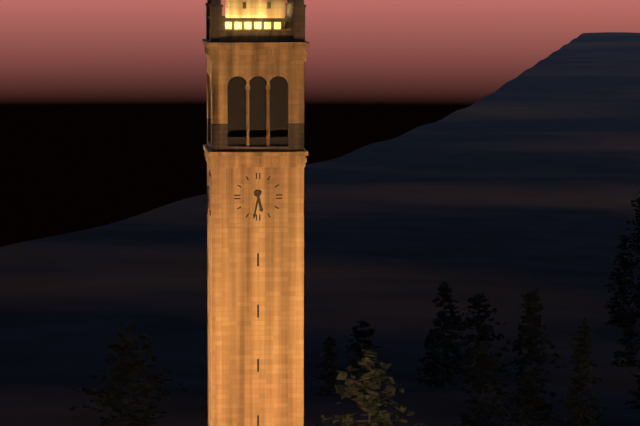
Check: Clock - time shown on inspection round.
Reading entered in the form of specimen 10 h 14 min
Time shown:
5 h 32 min
